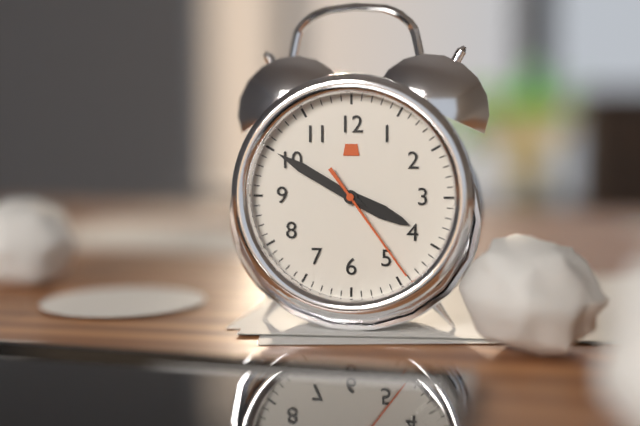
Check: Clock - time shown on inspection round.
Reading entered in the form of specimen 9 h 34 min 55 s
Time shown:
3 h 50 min 24 s
